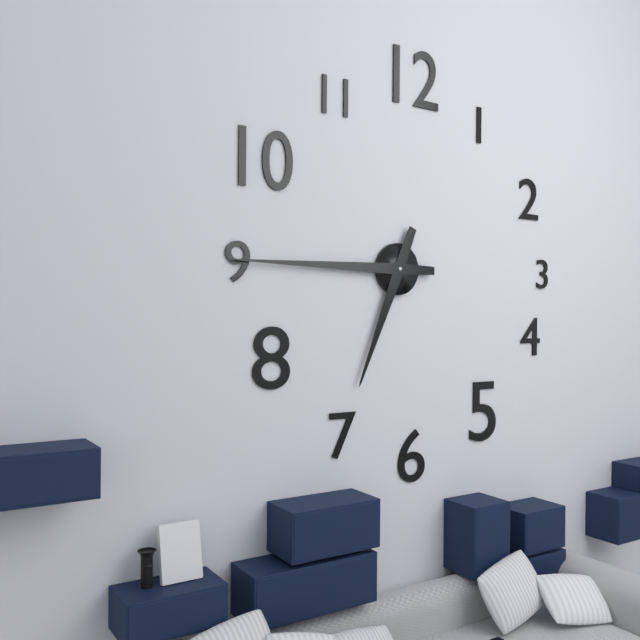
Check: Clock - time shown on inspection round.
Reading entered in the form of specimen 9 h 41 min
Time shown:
6 h 45 min
